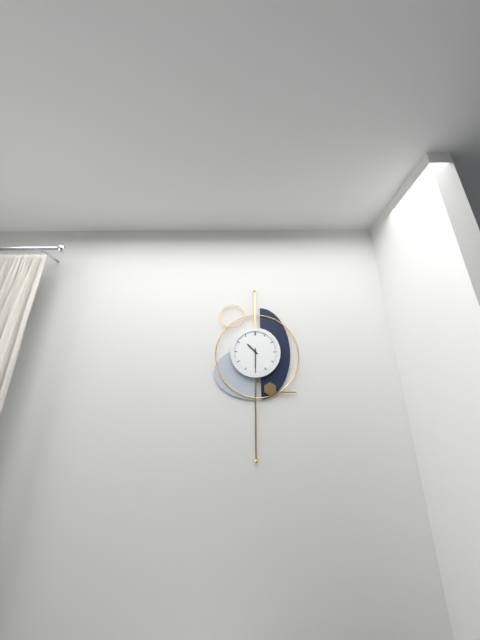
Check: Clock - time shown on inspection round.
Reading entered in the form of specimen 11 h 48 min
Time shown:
10 h 30 min
